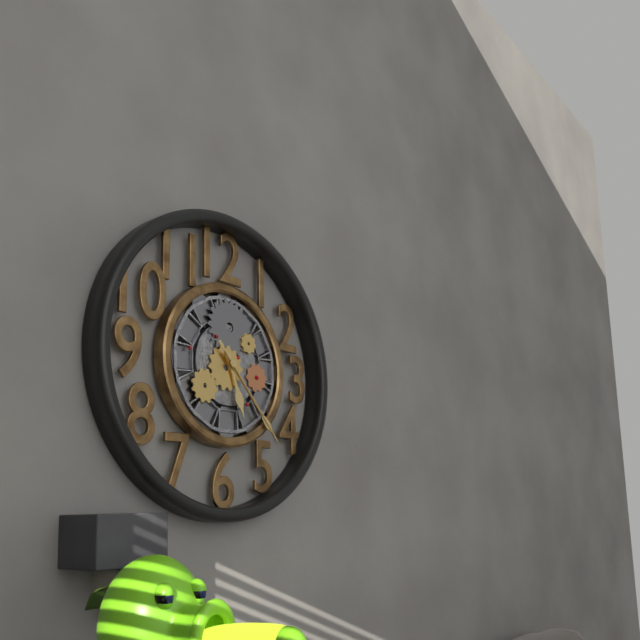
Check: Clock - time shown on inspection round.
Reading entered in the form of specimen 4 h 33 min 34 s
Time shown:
5 h 23 min 23 s
